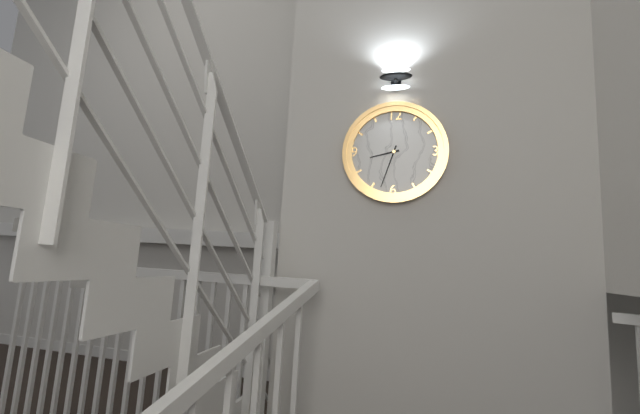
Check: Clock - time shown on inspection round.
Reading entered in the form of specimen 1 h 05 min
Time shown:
8 h 33 min
